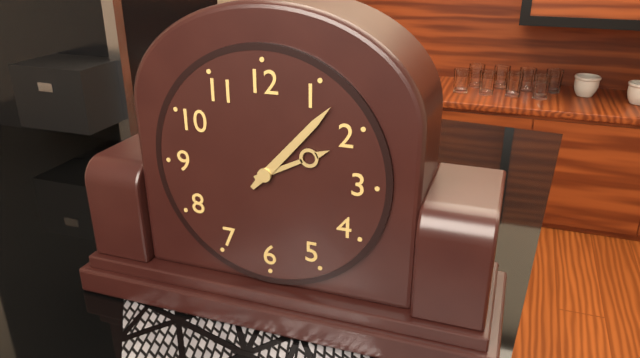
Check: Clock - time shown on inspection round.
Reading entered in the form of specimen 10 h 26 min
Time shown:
2 h 07 min
